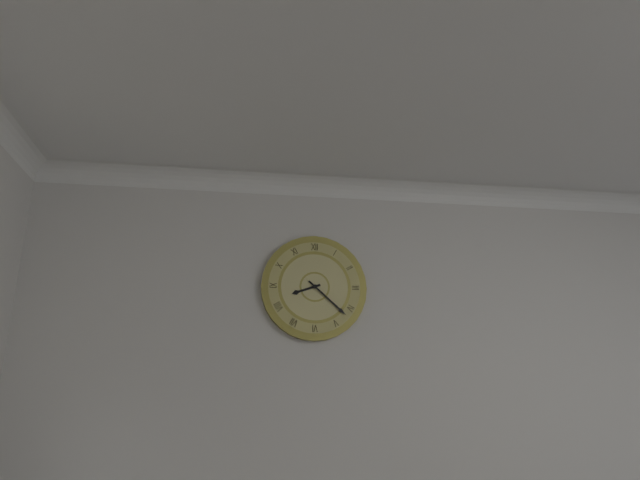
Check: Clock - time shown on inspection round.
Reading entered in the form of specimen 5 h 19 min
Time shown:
8 h 22 min
